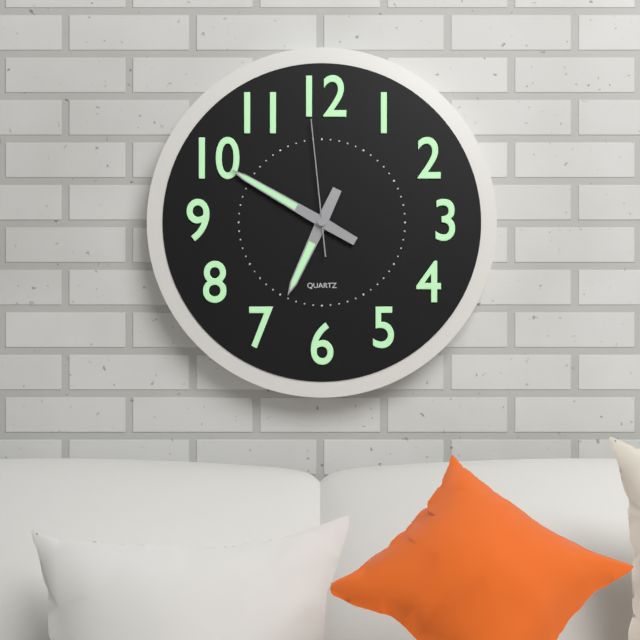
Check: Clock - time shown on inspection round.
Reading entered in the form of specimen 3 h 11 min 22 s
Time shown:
6 h 50 min 59 s
